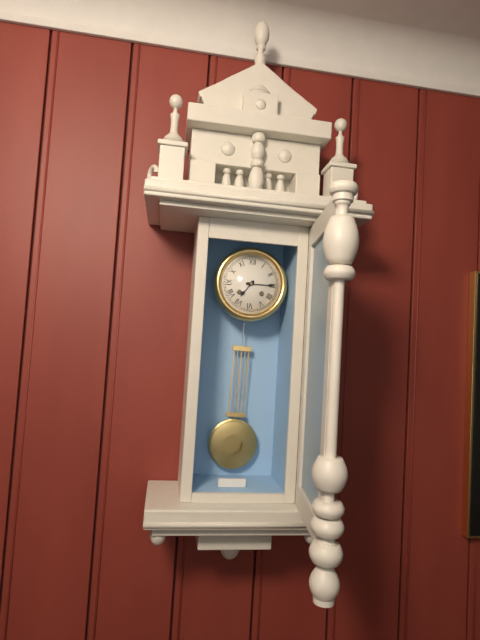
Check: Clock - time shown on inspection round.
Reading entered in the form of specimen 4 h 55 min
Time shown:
7 h 15 min
